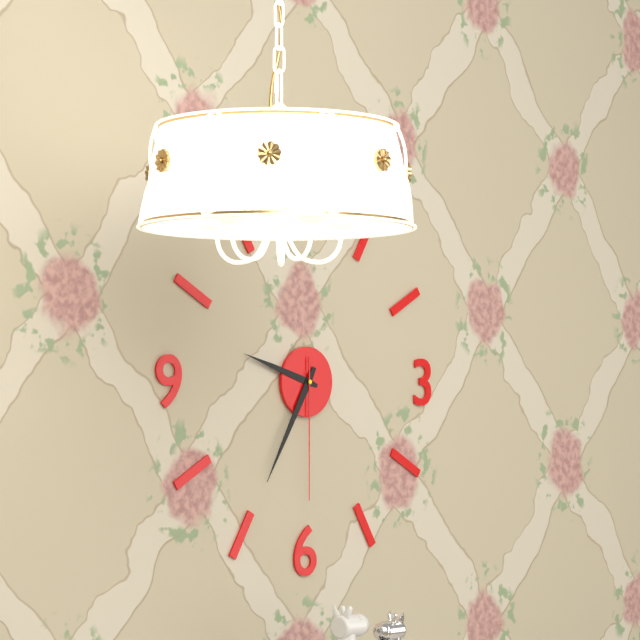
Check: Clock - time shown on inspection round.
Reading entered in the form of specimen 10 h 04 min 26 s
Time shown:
9 h 35 min 30 s
